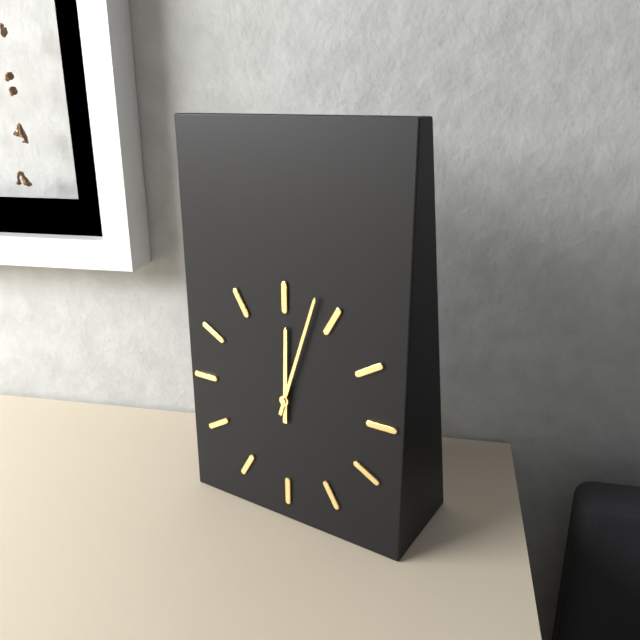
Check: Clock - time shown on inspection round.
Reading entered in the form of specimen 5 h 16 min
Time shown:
12 h 03 min
